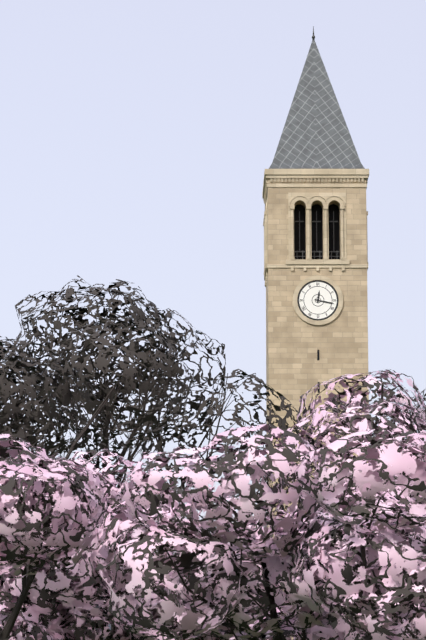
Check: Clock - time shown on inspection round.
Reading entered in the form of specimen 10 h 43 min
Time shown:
12 h 17 min
